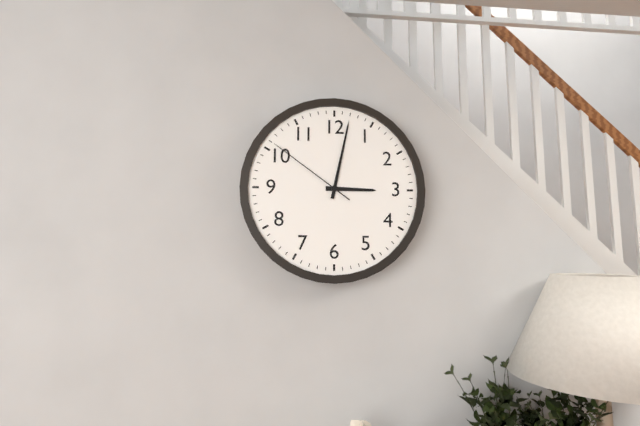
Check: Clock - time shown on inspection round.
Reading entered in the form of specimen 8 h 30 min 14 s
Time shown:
3 h 02 min 51 s
